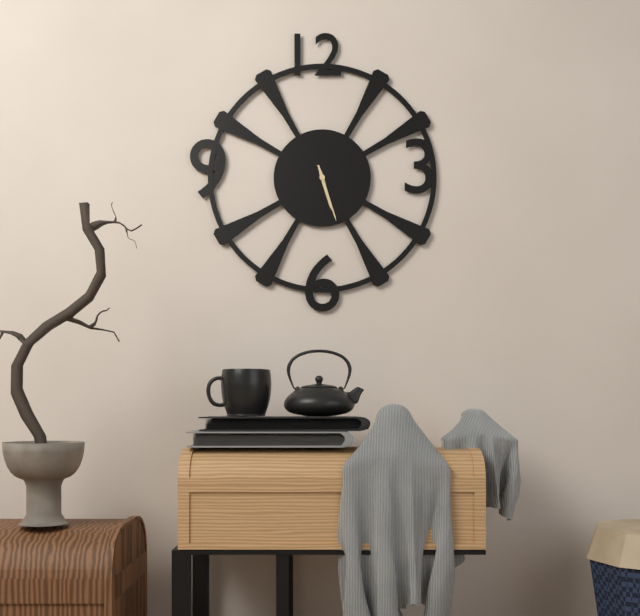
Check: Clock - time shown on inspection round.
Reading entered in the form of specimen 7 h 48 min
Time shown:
5 h 27 min
